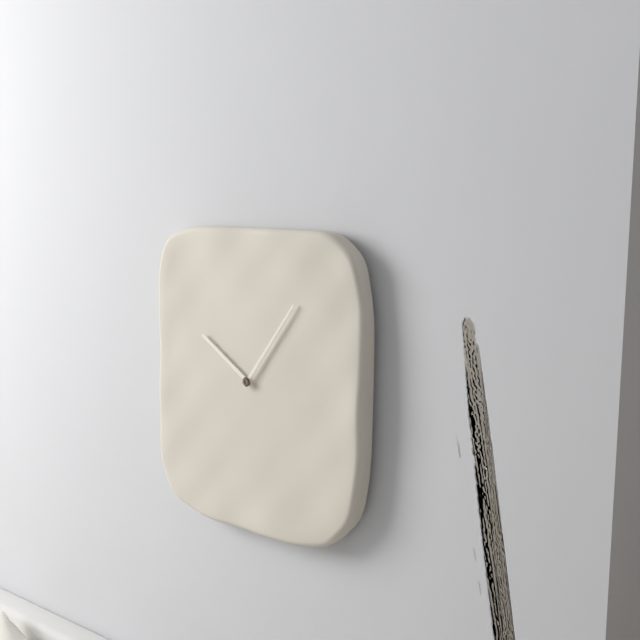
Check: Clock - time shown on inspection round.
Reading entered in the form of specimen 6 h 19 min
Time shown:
10 h 06 min
